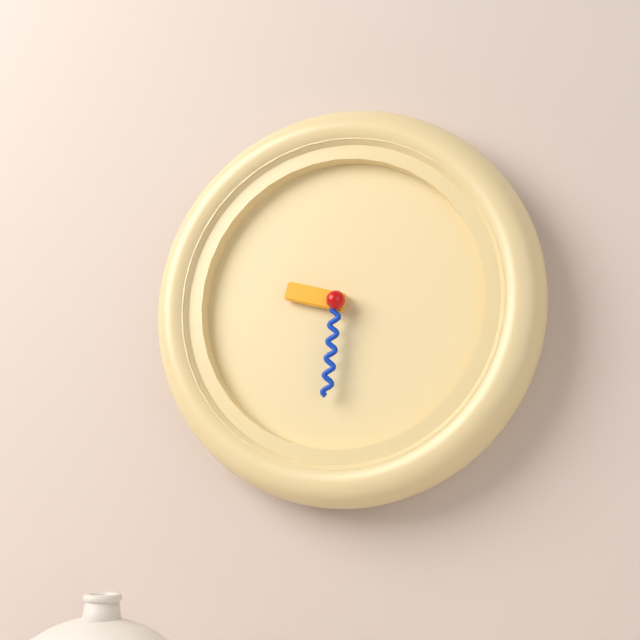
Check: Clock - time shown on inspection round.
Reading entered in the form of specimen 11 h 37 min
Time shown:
9 h 31 min
